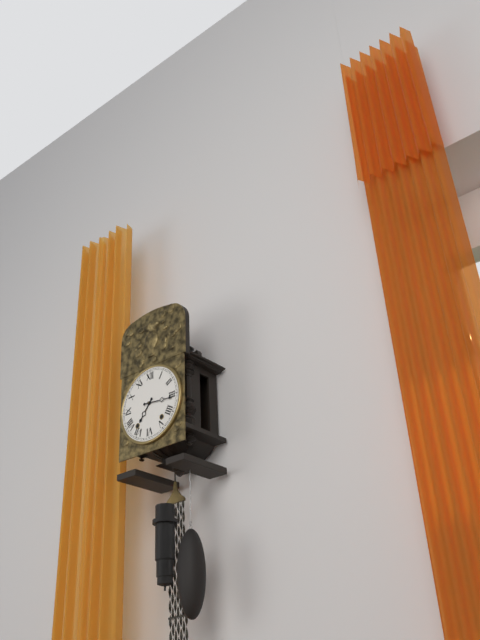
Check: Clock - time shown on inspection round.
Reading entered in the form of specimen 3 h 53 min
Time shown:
7 h 16 min
